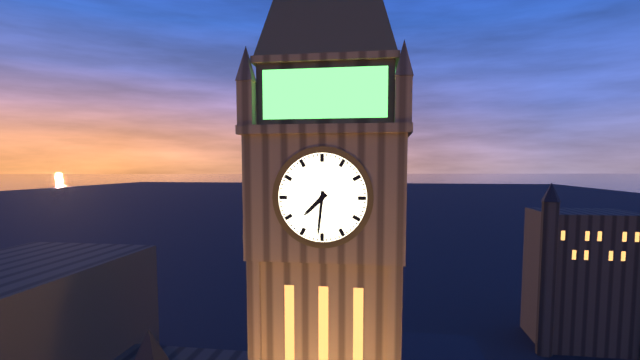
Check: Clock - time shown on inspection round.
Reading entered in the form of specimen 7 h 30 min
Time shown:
7 h 31 min
